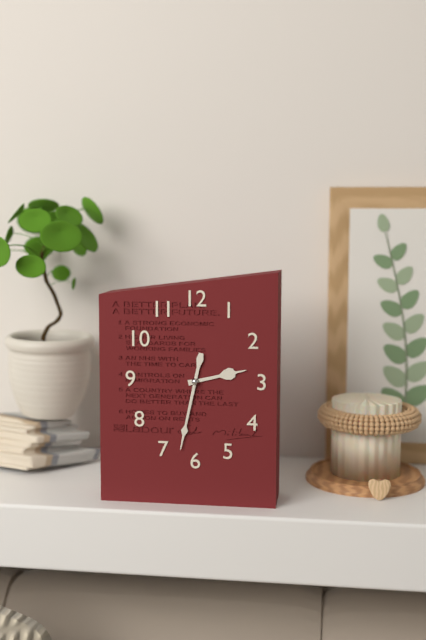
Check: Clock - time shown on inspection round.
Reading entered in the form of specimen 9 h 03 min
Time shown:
2 h 32 min
